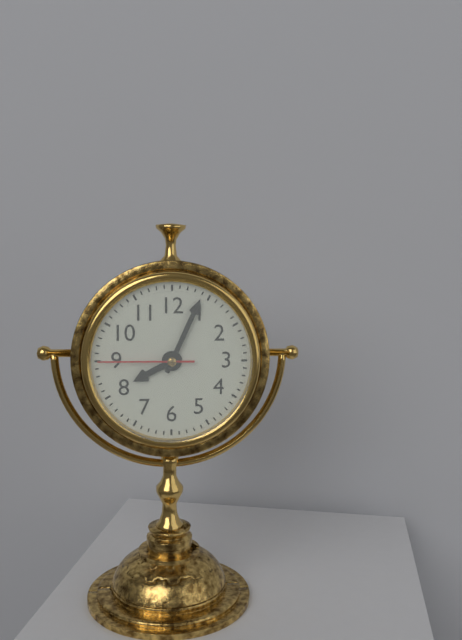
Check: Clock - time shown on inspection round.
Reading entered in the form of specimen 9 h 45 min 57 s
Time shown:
8 h 04 min 45 s
